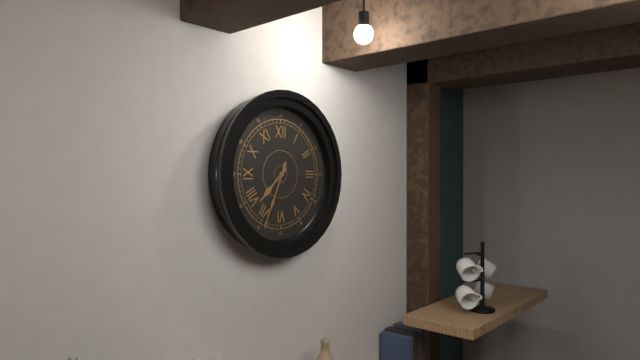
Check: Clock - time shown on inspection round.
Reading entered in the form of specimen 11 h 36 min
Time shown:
7 h 34 min
